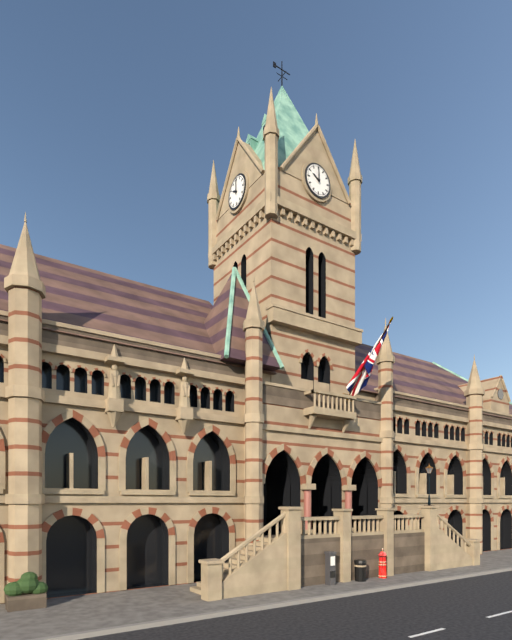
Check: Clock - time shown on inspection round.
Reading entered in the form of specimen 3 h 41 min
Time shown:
10 h 00 min
